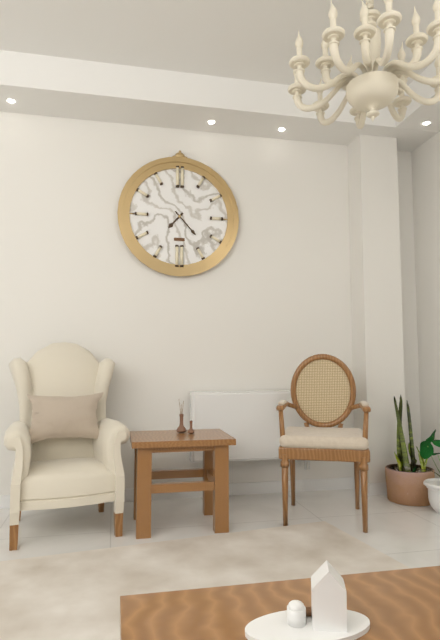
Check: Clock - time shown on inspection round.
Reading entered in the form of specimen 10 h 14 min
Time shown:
7 h 23 min
